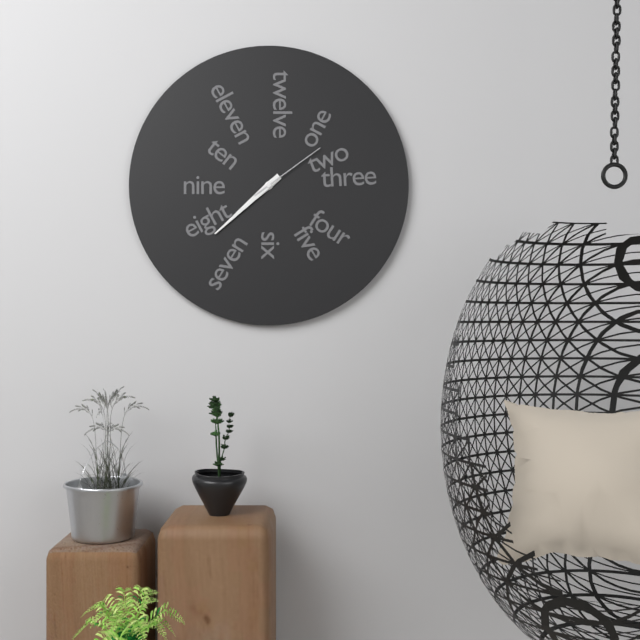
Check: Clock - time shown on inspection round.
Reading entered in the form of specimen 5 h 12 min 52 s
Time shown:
7 h 38 min 09 s
